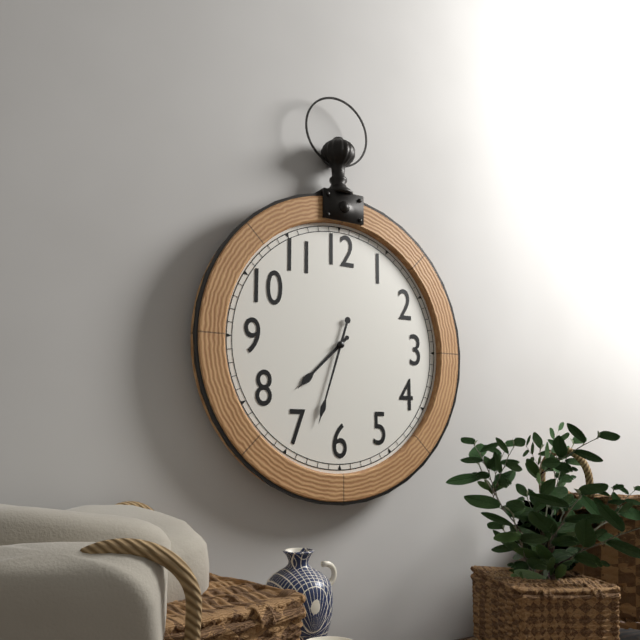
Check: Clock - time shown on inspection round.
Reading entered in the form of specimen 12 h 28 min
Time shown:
7 h 33 min
